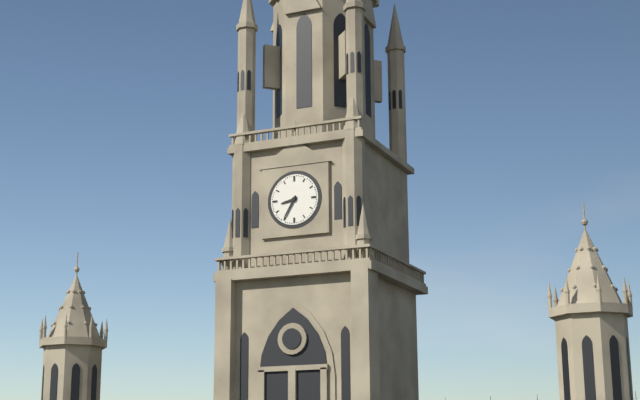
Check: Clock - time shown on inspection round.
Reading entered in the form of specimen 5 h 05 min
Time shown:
8 h 35 min
